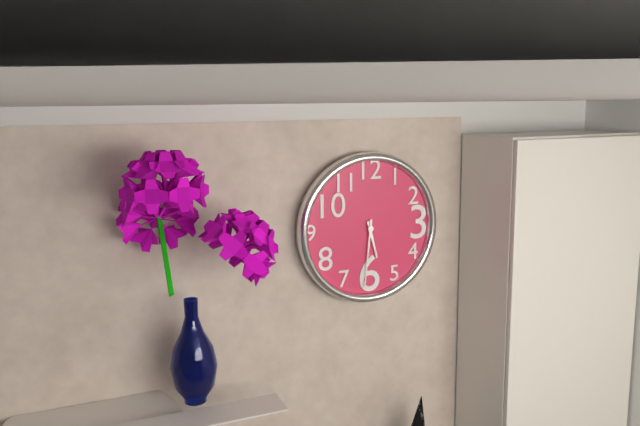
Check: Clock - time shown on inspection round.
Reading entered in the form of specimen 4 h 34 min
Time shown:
5 h 31 min
